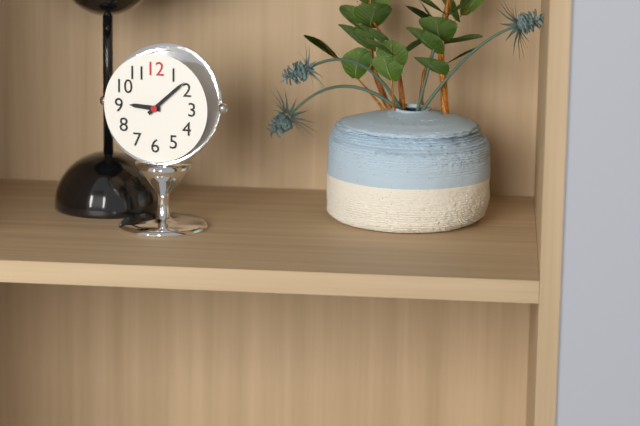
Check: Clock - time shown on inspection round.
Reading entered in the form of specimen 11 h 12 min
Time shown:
9 h 08 min
